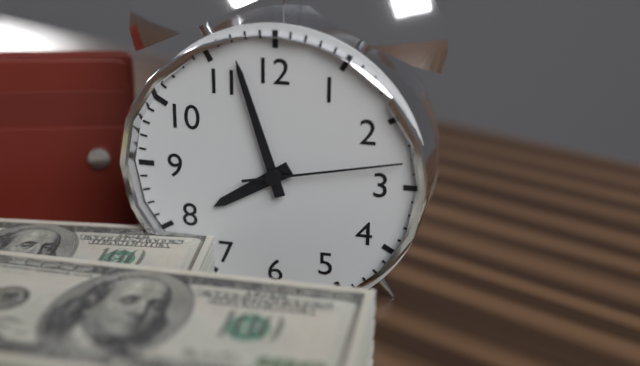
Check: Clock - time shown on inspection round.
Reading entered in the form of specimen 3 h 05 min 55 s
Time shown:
7 h 57 min 13 s
